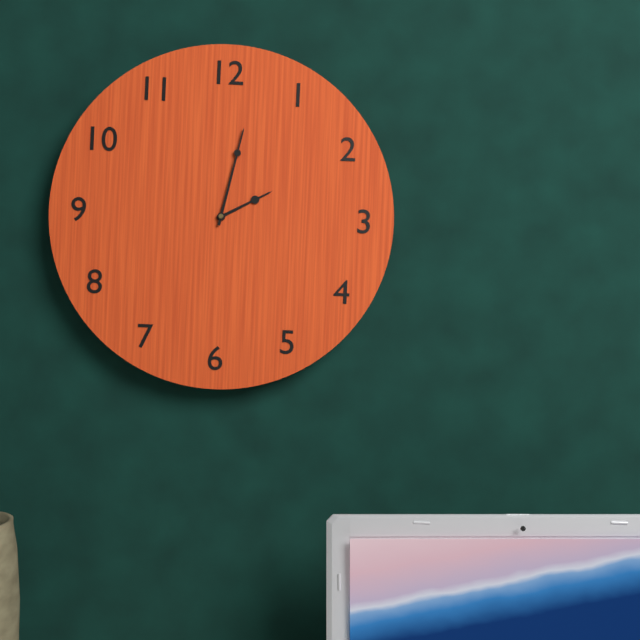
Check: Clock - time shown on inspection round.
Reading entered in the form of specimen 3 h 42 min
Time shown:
2 h 02 min
